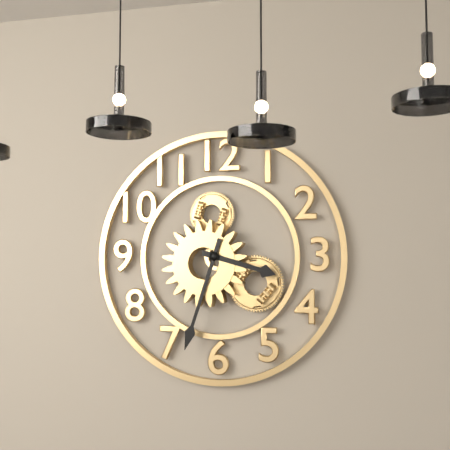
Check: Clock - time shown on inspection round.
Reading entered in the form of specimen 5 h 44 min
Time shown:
3 h 33 min
